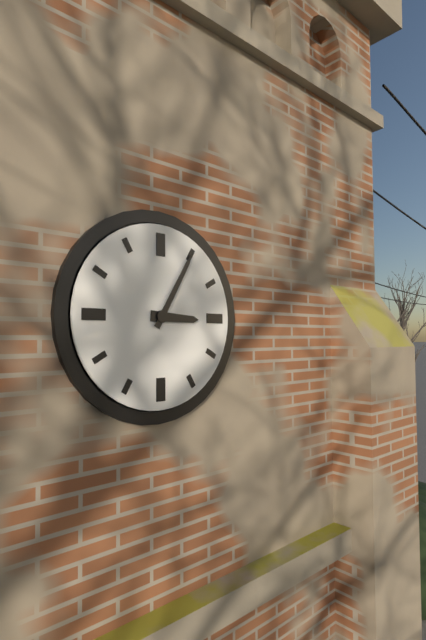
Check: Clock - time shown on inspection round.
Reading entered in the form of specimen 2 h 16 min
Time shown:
3 h 05 min
